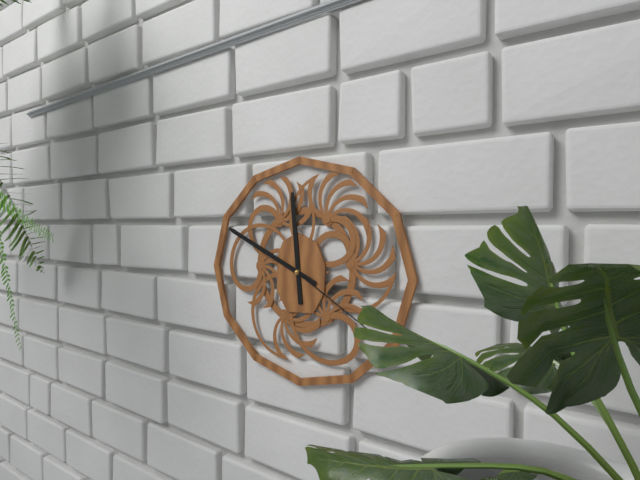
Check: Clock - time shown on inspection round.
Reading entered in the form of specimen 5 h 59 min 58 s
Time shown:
11 h 49 min 20 s
